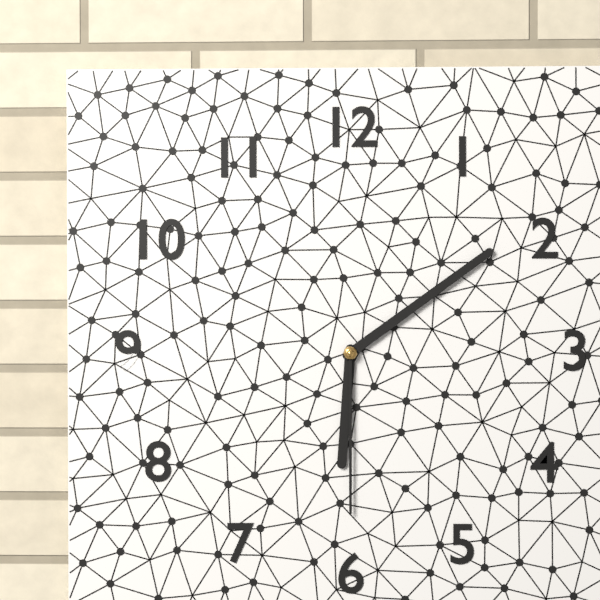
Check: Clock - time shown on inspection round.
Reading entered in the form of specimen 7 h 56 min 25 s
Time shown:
6 h 09 min 30 s
